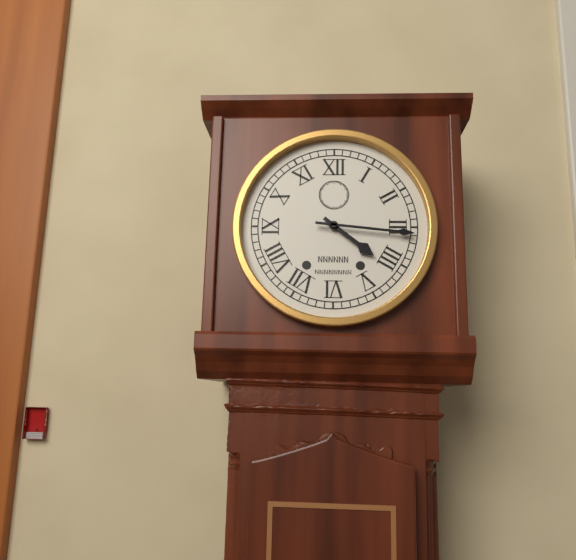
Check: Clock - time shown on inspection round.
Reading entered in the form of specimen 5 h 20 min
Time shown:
4 h 16 min
